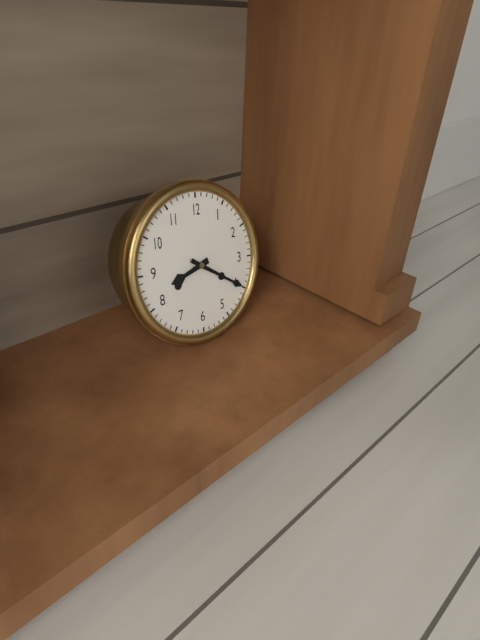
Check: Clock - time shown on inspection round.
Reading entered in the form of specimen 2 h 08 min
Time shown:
8 h 20 min
